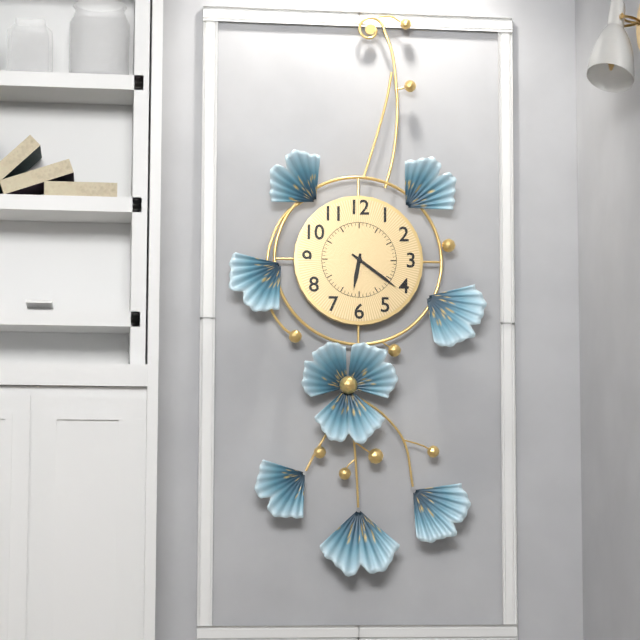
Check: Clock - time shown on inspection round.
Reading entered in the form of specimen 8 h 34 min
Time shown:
6 h 21 min
